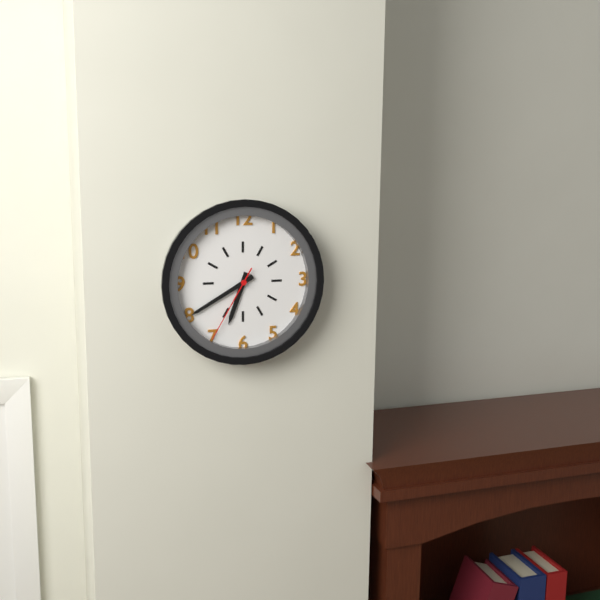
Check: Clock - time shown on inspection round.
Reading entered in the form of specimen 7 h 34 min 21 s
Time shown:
6 h 40 min 35 s
